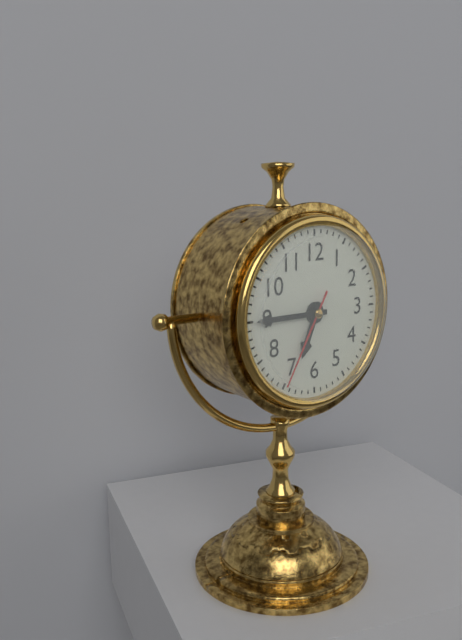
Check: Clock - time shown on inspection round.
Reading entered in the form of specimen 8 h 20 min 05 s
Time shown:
6 h 45 min 35 s
